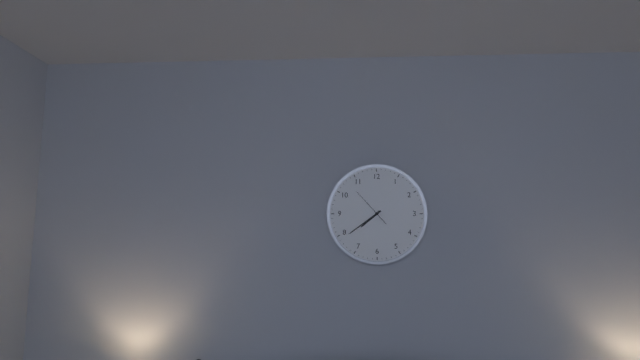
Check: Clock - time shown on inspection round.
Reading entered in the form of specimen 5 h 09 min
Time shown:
7 h 39 min
